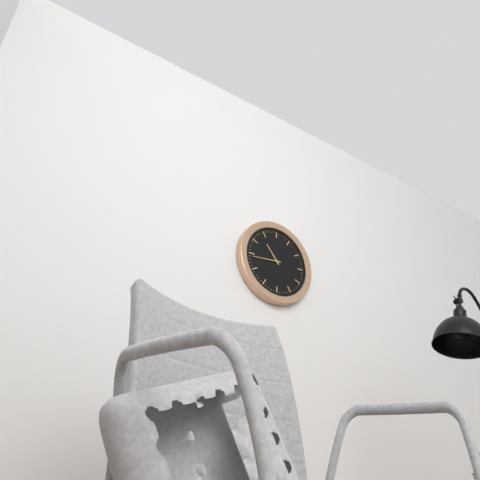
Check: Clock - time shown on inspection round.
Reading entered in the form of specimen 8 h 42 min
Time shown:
10 h 44 min
